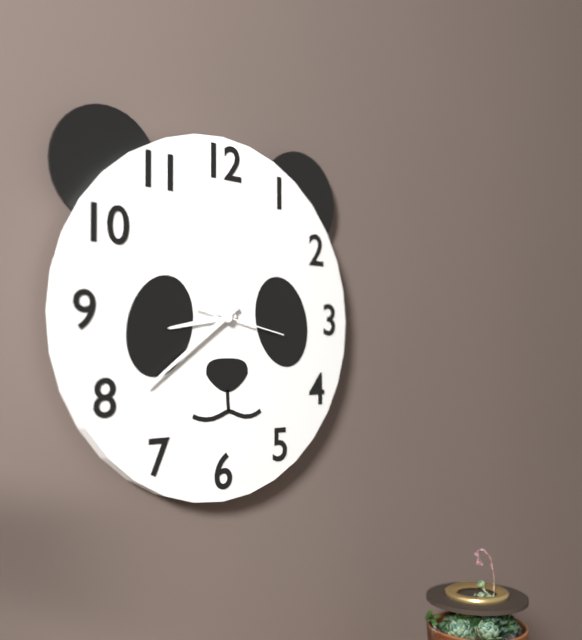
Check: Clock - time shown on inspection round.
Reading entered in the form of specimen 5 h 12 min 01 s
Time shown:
8 h 39 min 17 s
